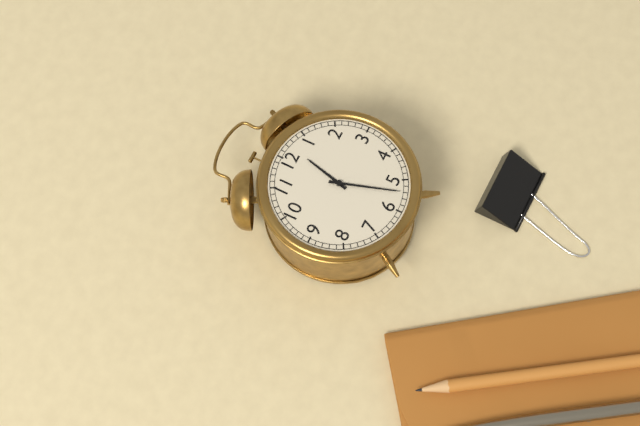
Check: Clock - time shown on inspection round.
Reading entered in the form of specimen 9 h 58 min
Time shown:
12 h 27 min
